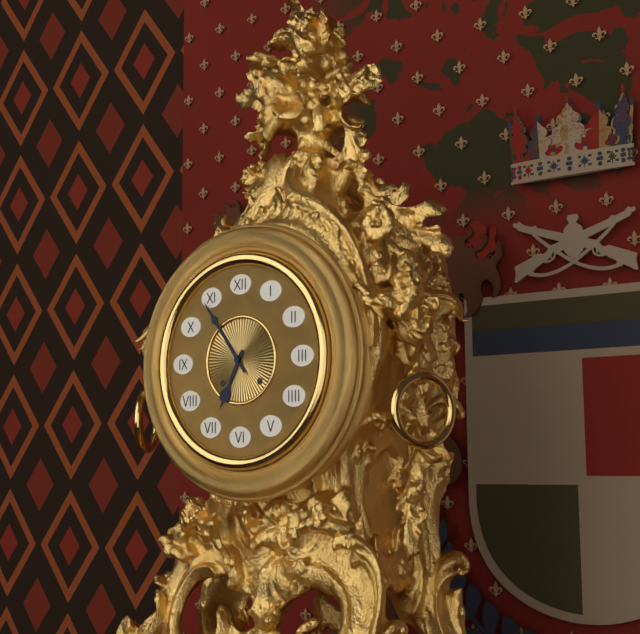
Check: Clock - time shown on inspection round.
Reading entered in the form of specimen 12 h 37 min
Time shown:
6 h 54 min
